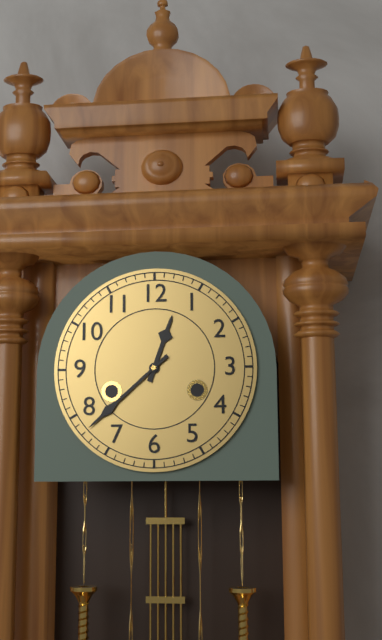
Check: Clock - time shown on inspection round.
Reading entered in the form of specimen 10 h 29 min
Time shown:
12 h 38 min
